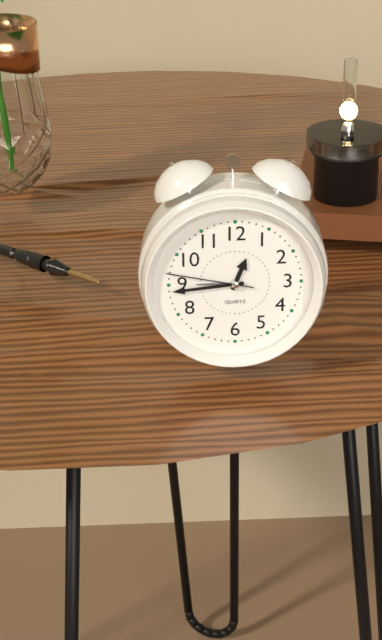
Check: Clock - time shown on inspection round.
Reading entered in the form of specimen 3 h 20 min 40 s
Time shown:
12 h 44 min 47 s
